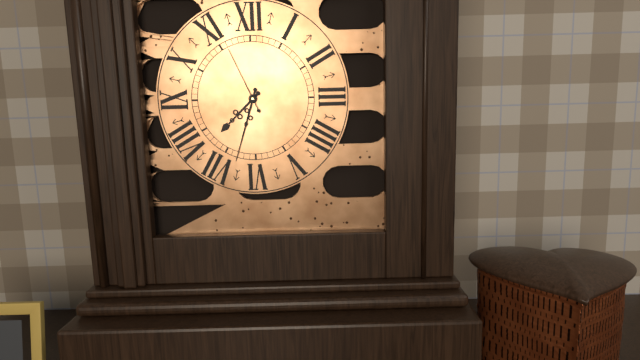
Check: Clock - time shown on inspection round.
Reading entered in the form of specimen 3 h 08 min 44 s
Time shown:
7 h 33 min 56 s
